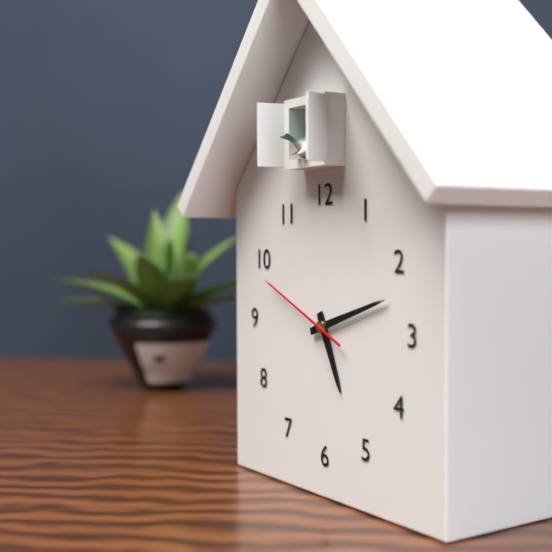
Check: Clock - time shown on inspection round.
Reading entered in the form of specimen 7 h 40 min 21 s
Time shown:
5 h 12 min 49 s
